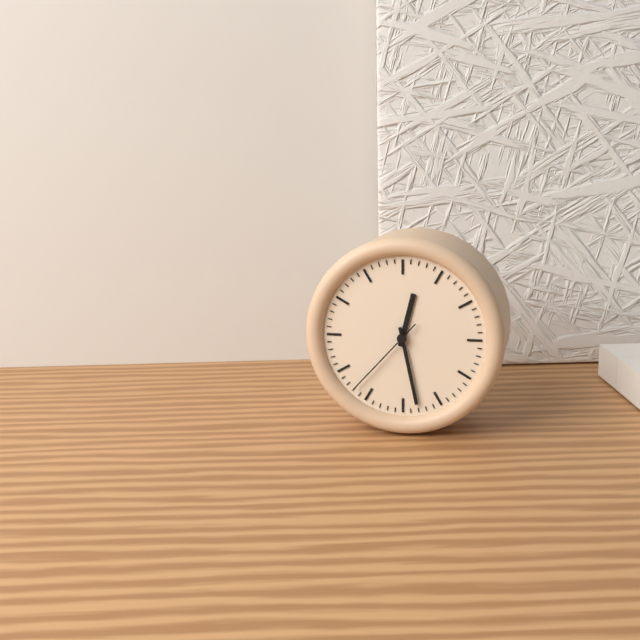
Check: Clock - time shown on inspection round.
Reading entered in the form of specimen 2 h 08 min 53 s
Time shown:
12 h 28 min 37 s
